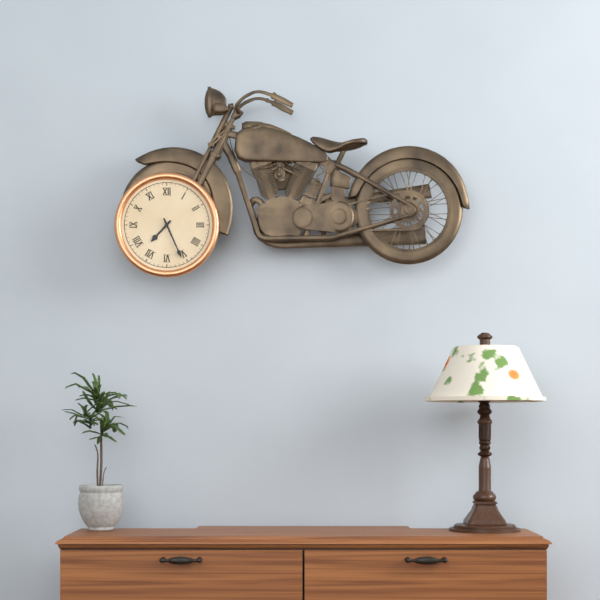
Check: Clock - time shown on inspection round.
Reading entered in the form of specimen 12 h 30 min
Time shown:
7 h 26 min
